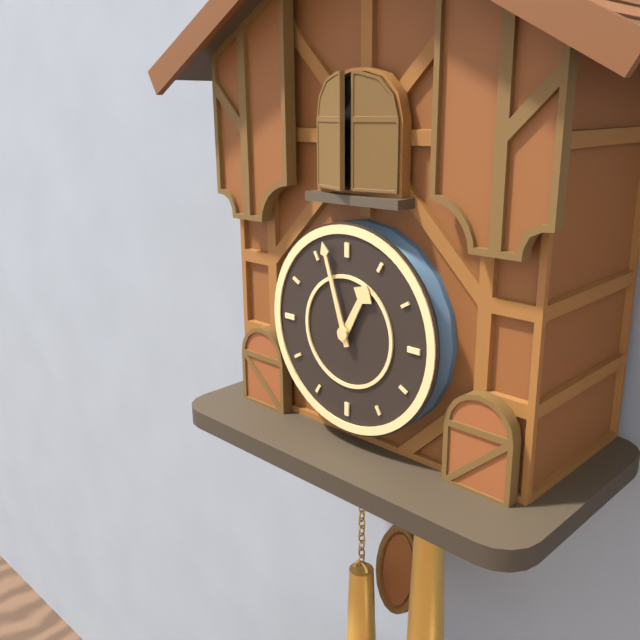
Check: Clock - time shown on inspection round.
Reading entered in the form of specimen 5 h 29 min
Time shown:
12 h 57 min
